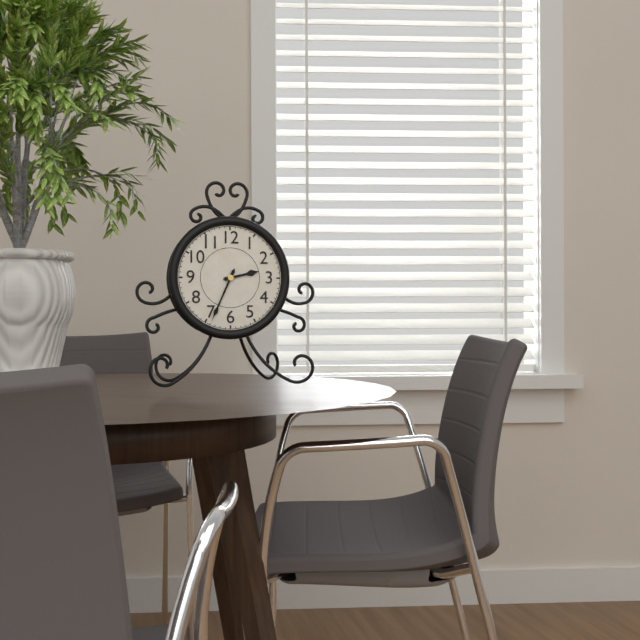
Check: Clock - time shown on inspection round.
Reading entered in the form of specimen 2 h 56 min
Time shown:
2 h 34 min
